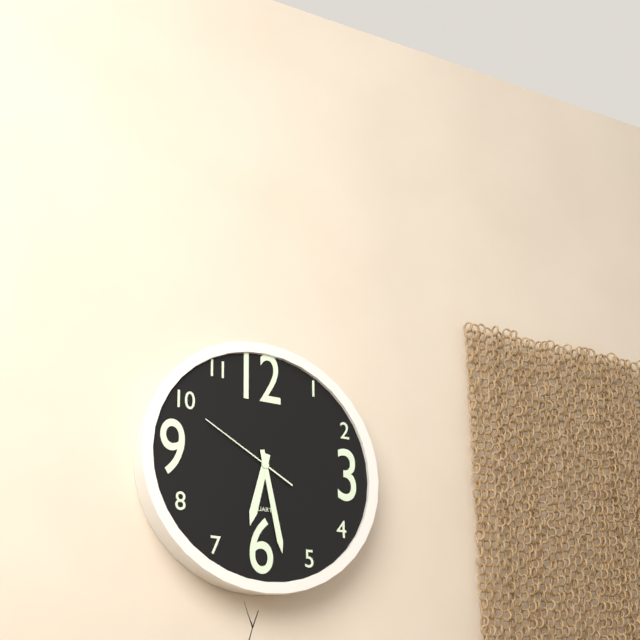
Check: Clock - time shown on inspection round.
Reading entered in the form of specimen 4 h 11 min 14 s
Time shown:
6 h 28 min 50 s
